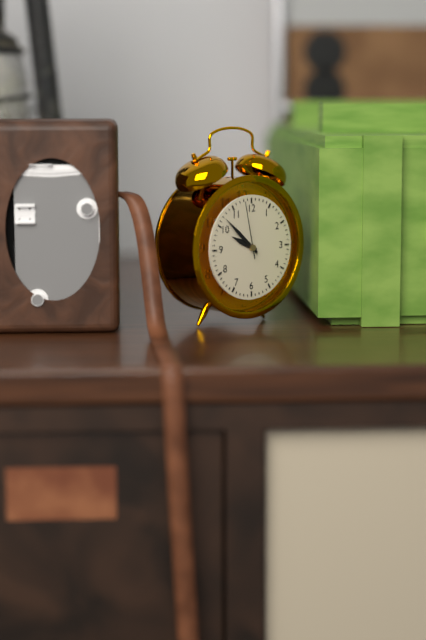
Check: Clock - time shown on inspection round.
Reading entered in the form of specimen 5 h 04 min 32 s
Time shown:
9 h 52 min 58 s
